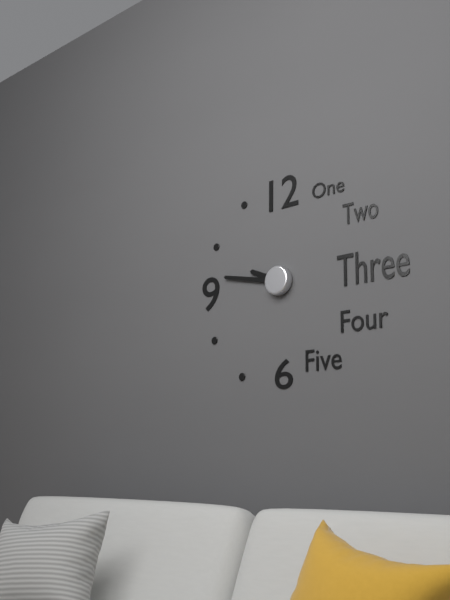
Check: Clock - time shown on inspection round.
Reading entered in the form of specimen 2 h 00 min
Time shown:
9 h 47 min
